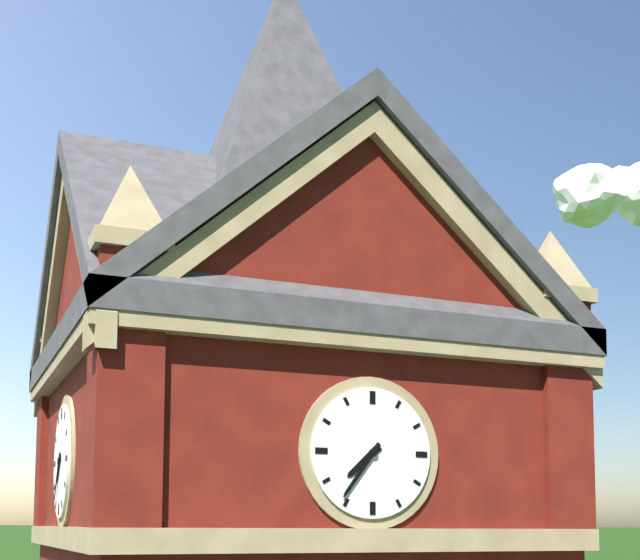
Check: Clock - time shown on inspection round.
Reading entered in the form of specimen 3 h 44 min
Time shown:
7 h 36 min
